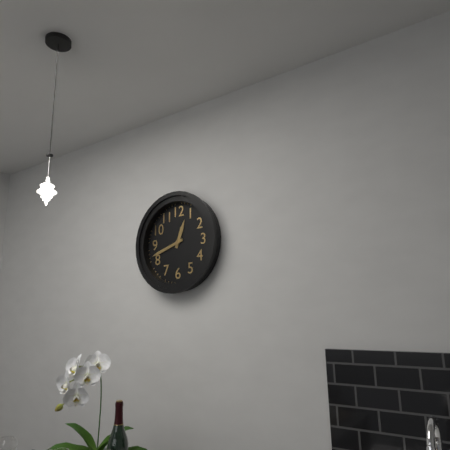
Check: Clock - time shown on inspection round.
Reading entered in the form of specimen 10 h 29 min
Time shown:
12 h 42 min
